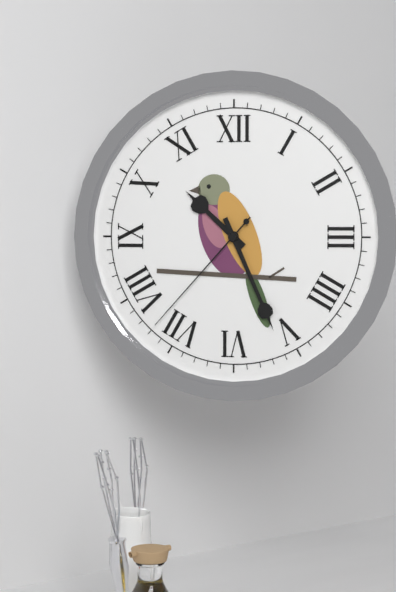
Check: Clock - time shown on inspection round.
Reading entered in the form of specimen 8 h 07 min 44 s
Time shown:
10 h 26 min 37 s
